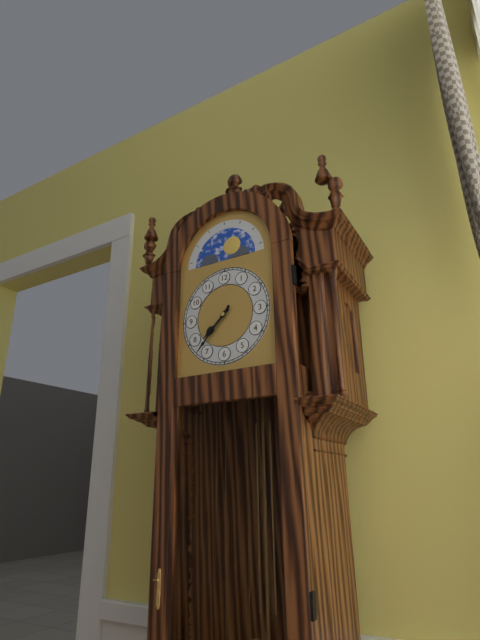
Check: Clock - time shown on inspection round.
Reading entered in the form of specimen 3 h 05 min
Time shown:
7 h 37 min
